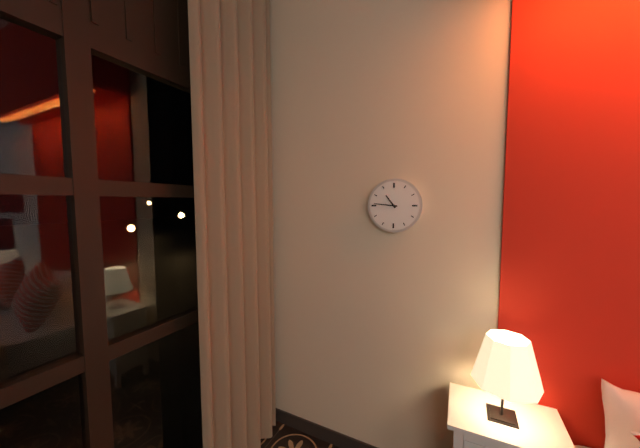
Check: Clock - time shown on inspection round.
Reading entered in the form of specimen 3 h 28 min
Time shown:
10 h 46 min
